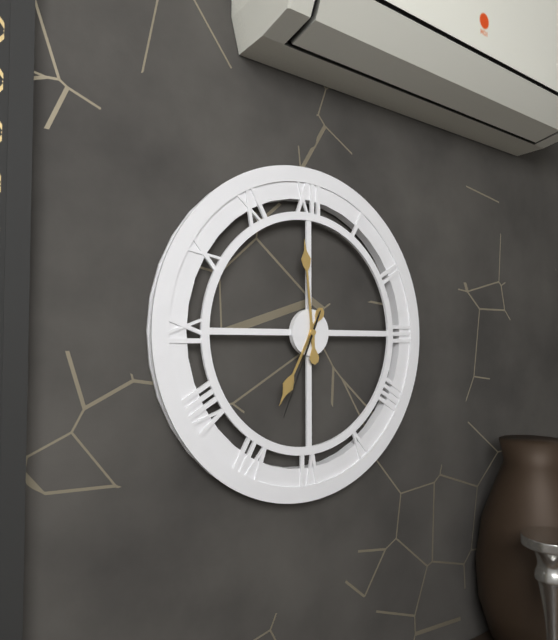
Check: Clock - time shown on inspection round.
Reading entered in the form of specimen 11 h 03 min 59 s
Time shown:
6 h 59 min 34 s
